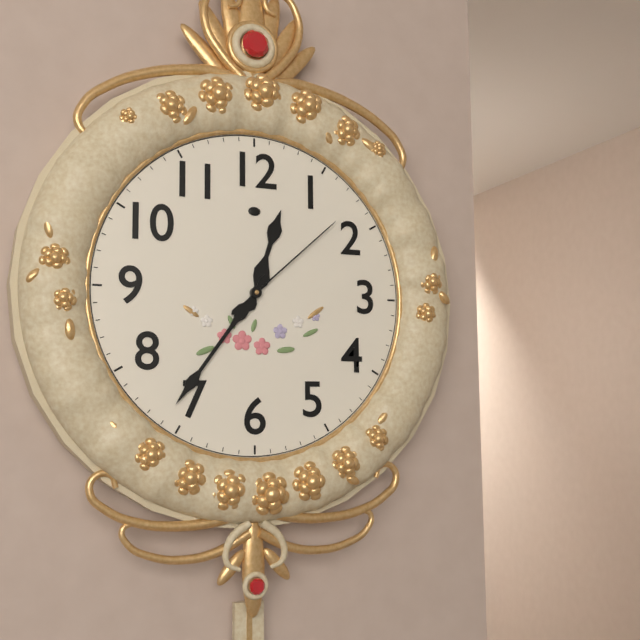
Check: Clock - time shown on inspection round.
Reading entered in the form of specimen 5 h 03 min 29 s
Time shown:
12 h 36 min 08 s
